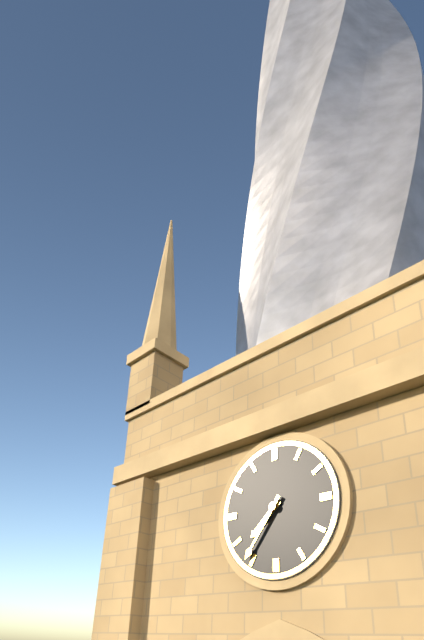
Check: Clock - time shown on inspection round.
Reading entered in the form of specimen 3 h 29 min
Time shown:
7 h 36 min
